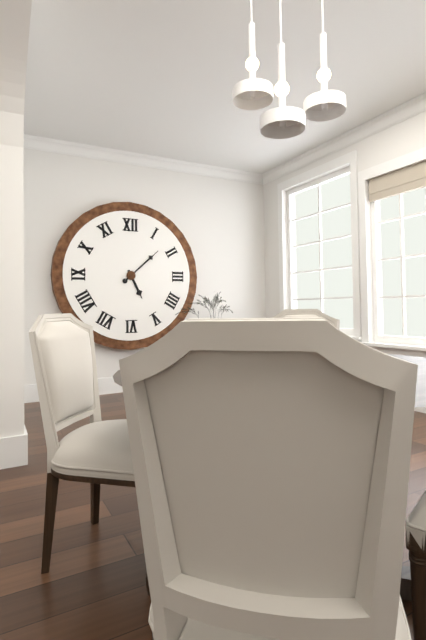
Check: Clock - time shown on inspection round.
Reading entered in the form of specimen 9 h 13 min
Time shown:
5 h 08 min
